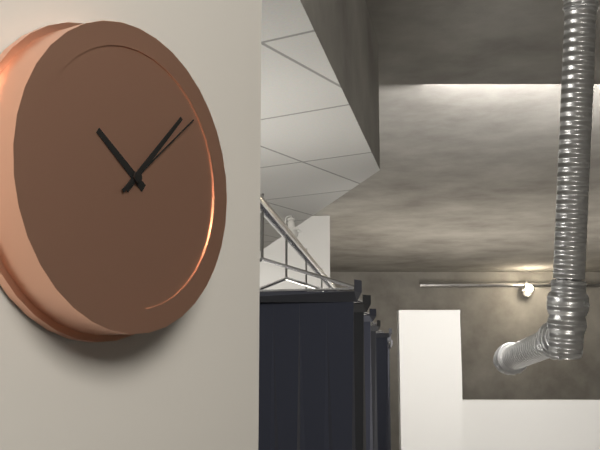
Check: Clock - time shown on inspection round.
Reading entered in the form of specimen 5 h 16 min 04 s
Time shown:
10 h 07 min 08 s
